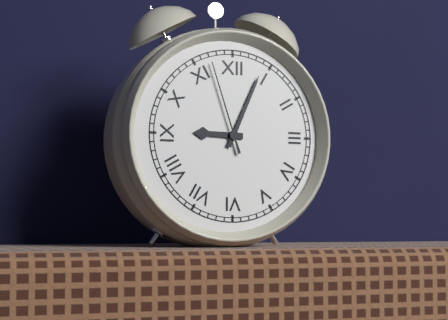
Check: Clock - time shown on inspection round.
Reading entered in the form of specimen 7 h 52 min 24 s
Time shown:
9 h 04 min 57 s
